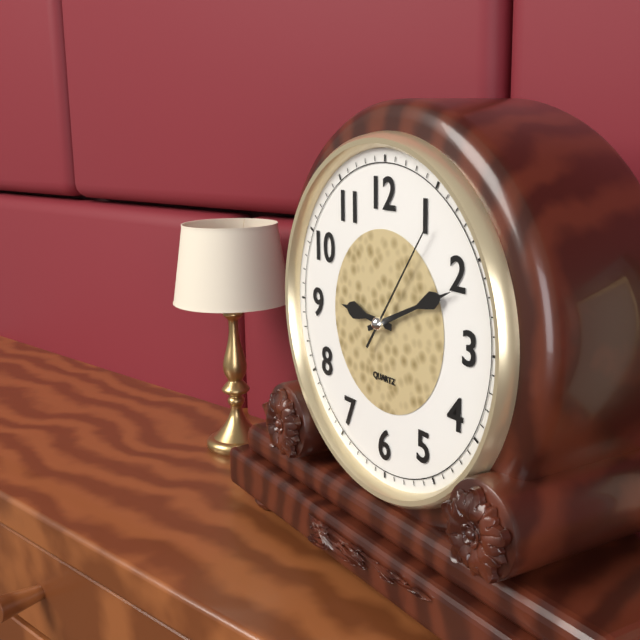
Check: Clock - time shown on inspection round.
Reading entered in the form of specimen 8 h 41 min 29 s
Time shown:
9 h 11 min 06 s
